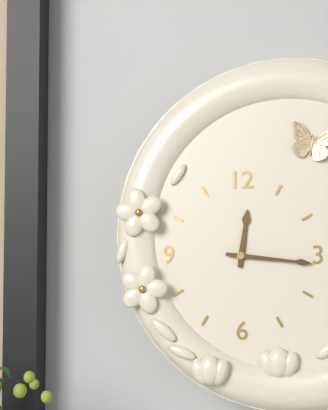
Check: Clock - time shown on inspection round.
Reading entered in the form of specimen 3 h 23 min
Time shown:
12 h 16 min
